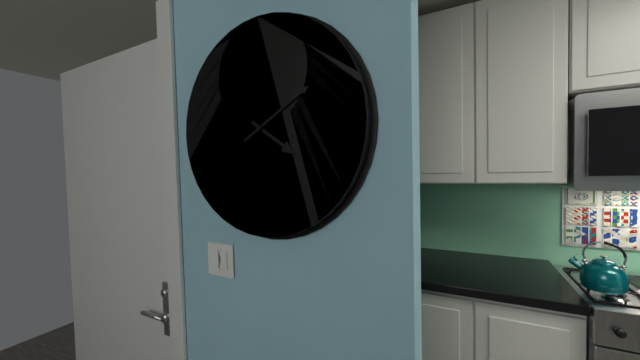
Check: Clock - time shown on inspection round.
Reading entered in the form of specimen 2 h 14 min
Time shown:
4 h 10 min
